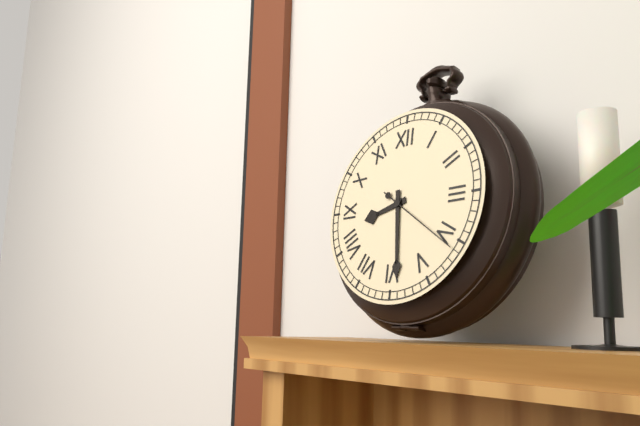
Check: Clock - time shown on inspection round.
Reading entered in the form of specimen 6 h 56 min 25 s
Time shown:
8 h 29 min 21 s
